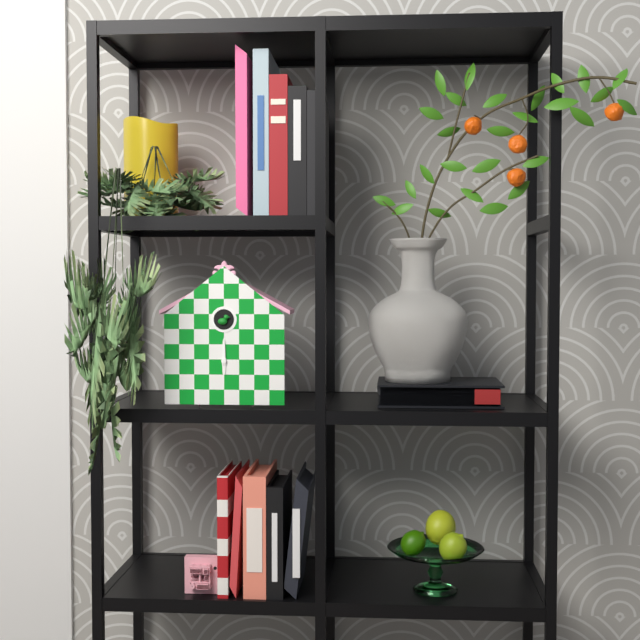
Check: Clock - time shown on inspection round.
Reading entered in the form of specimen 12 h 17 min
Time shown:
6 h 00 min
